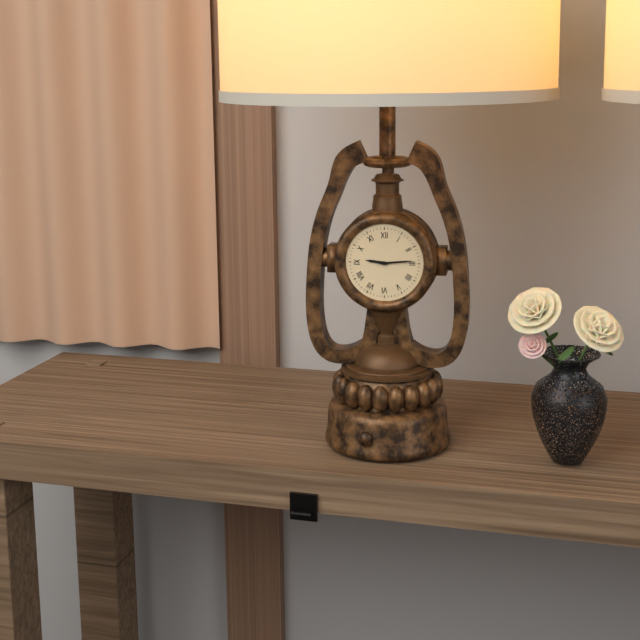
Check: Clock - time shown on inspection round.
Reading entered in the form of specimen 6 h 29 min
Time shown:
9 h 14 min
